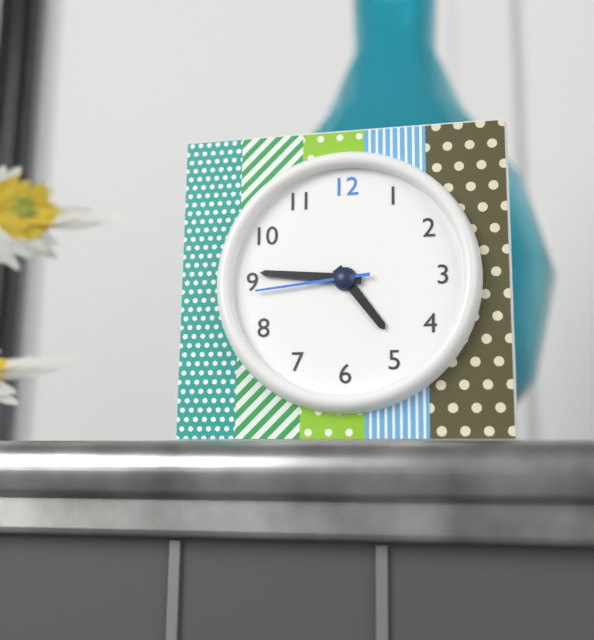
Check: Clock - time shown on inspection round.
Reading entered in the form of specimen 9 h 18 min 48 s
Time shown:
4 h 46 min 44 s
